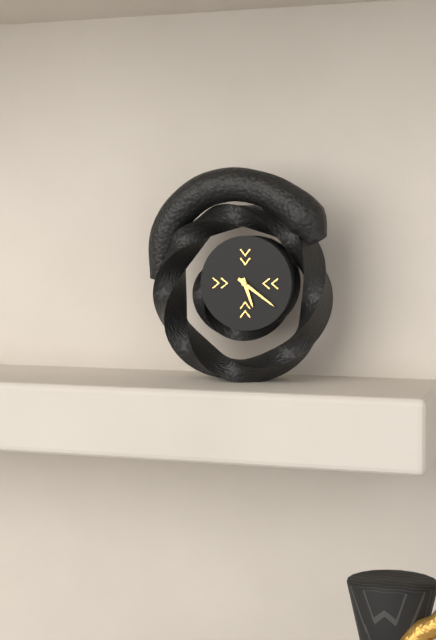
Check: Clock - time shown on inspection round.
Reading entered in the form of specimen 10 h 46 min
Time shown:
5 h 21 min
